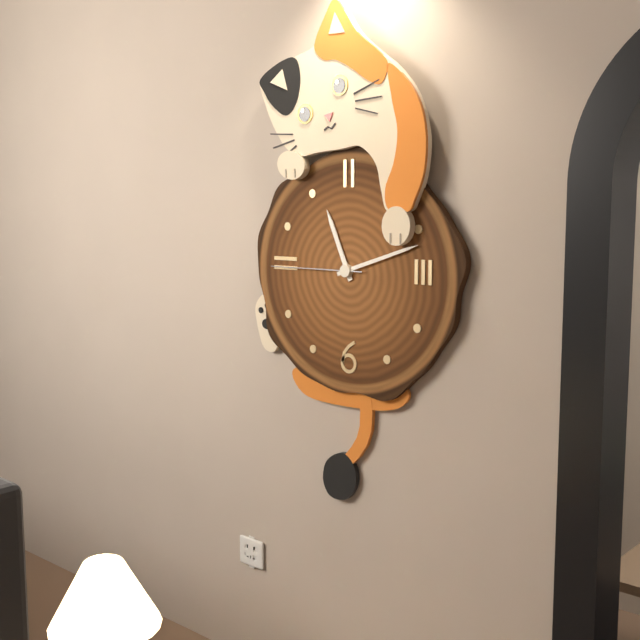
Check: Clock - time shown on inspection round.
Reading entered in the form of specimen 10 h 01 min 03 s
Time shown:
11 h 12 min 45 s
